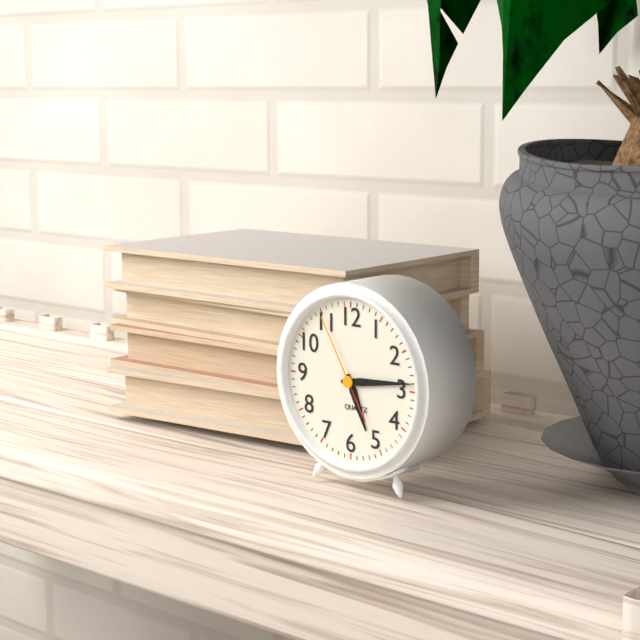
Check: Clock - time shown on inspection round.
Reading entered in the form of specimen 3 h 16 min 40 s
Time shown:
5 h 14 min 55 s
